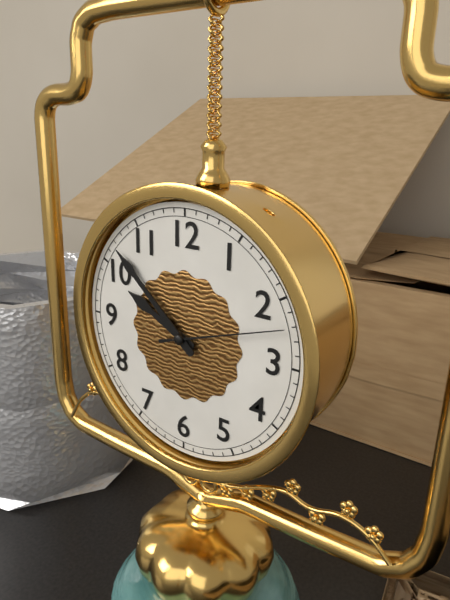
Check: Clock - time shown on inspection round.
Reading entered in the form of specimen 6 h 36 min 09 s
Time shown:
9 h 52 min 12 s
